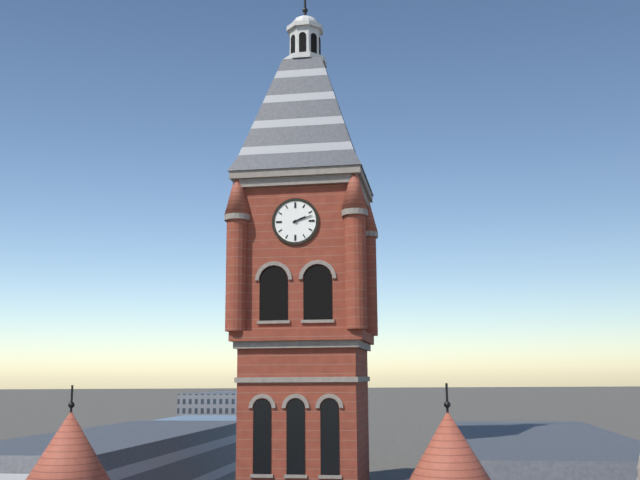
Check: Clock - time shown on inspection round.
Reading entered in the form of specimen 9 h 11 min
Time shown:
2 h 12 min
